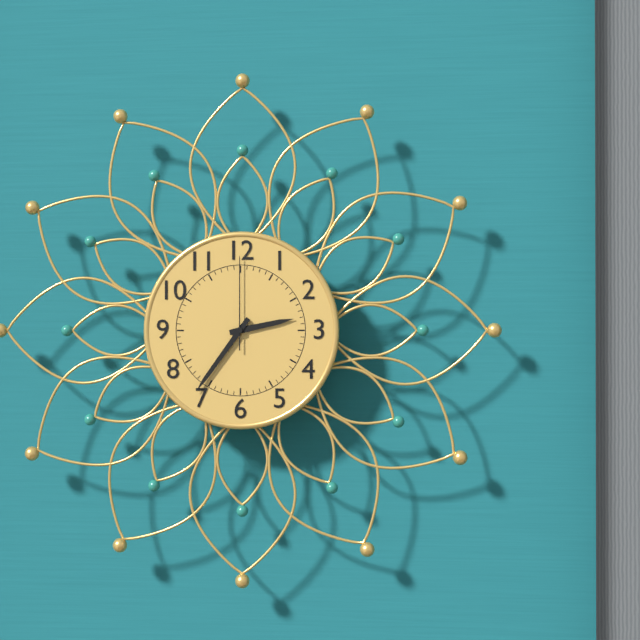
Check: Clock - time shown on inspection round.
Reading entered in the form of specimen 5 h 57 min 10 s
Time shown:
2 h 36 min 00 s
